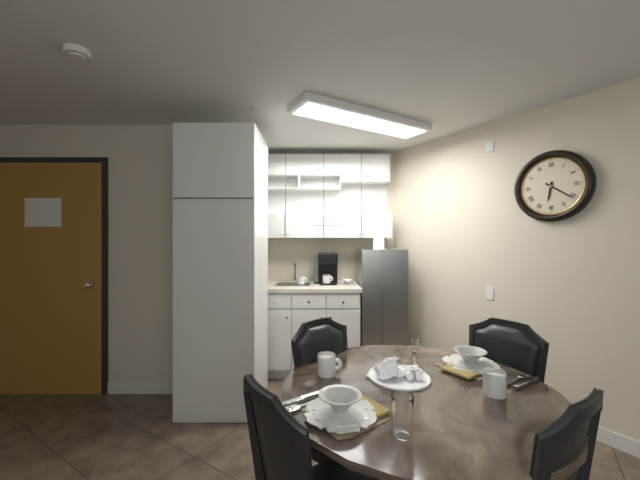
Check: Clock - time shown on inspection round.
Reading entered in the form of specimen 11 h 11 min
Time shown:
6 h 21 min
